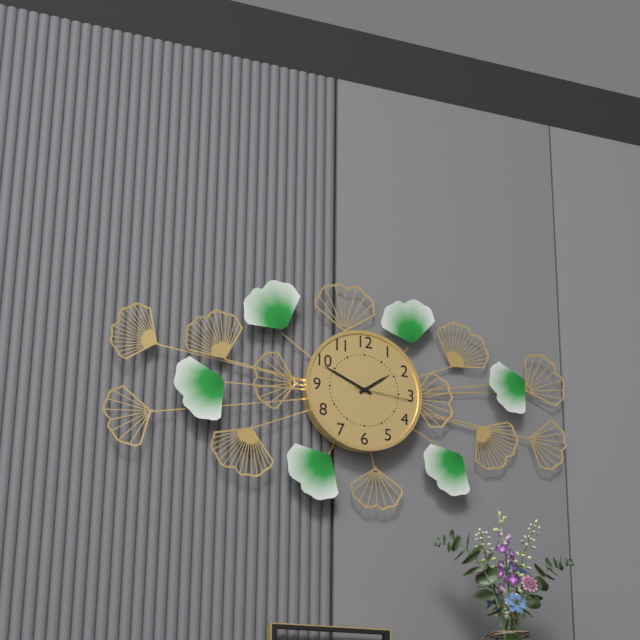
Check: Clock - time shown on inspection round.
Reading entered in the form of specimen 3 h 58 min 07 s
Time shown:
1 h 49 min 16 s
